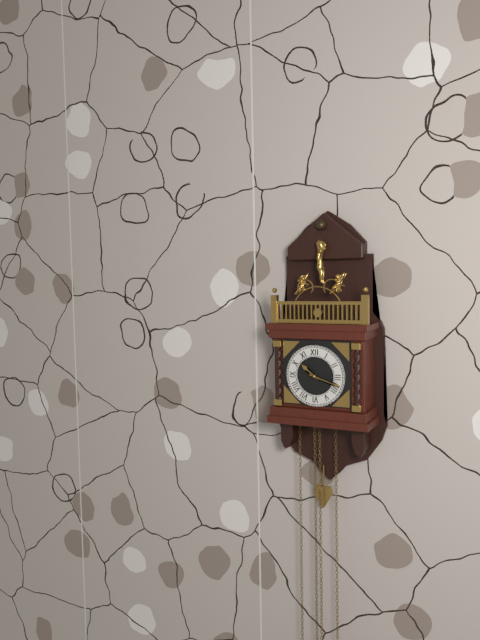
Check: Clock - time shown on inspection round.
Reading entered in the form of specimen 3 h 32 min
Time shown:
10 h 18 min
